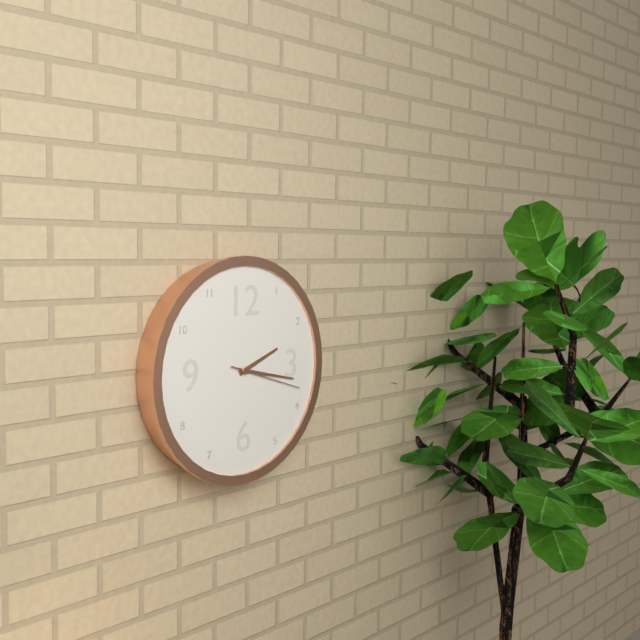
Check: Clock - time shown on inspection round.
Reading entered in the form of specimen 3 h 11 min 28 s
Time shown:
2 h 17 min 18 s
